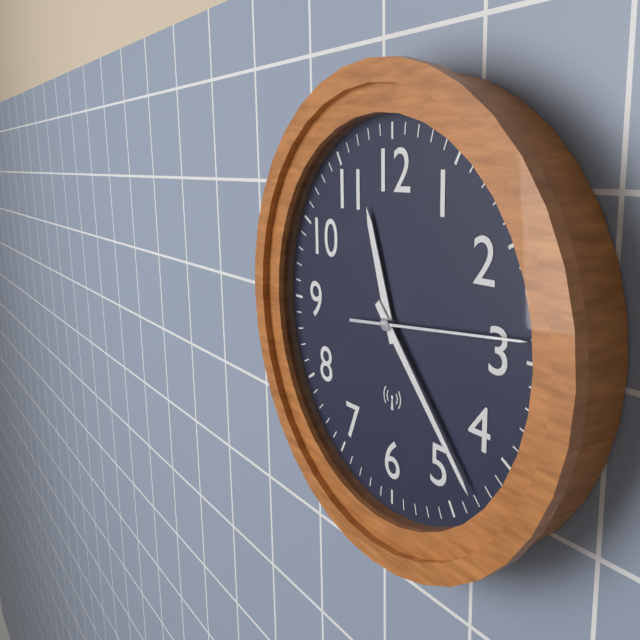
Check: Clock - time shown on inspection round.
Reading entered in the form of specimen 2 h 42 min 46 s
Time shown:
11 h 23 min 14 s
